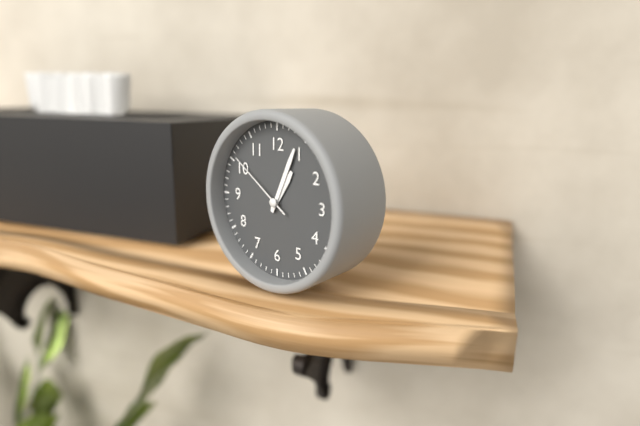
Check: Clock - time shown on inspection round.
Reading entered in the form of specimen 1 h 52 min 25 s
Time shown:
1 h 04 min 51 s
